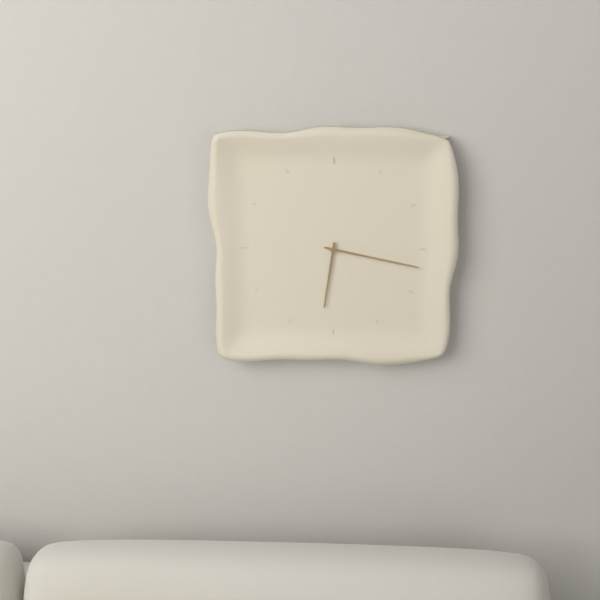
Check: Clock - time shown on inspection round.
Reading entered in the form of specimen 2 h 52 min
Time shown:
6 h 17 min
